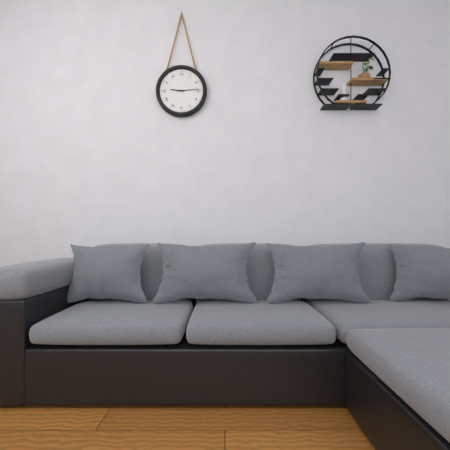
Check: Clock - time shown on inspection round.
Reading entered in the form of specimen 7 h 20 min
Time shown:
9 h 14 min
